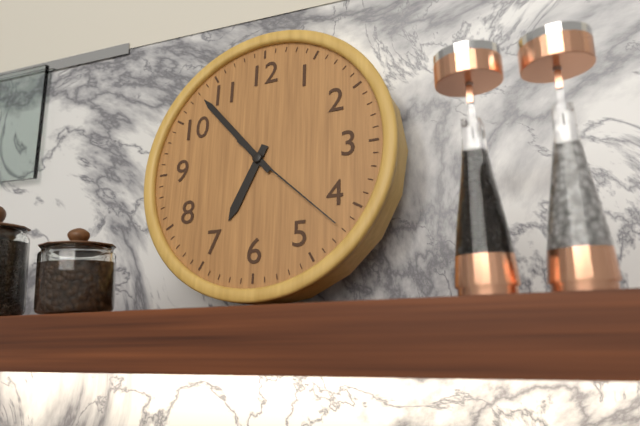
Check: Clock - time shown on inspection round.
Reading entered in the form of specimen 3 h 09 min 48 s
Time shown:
6 h 53 min 22 s
